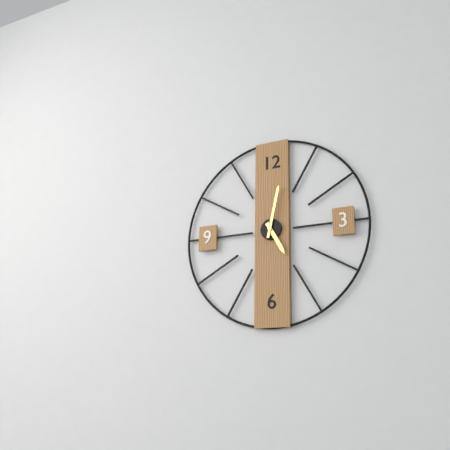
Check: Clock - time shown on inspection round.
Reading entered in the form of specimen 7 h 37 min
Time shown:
5 h 02 min
